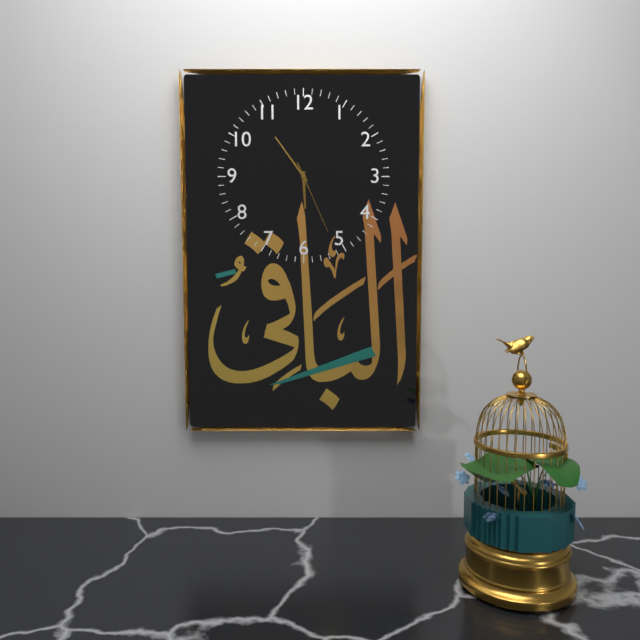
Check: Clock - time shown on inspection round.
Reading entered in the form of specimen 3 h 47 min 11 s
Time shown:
5 h 54 min 26 s
